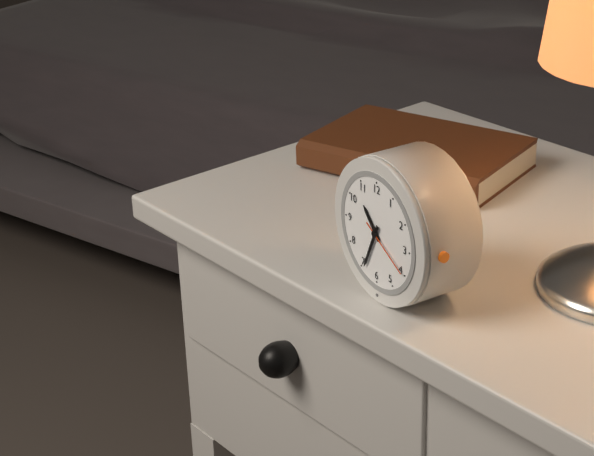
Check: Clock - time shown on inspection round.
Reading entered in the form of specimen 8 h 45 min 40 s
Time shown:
10 h 34 min 20 s
